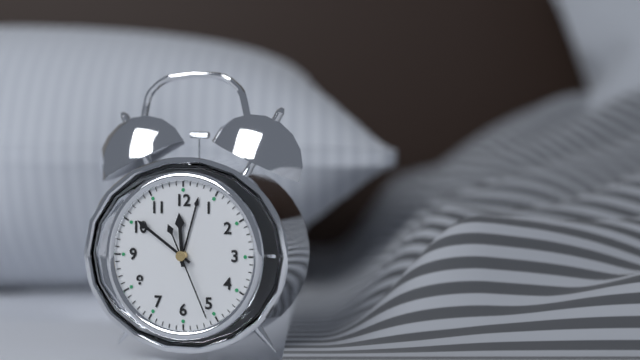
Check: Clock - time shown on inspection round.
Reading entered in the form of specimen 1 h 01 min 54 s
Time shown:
11 h 51 min 26 s
